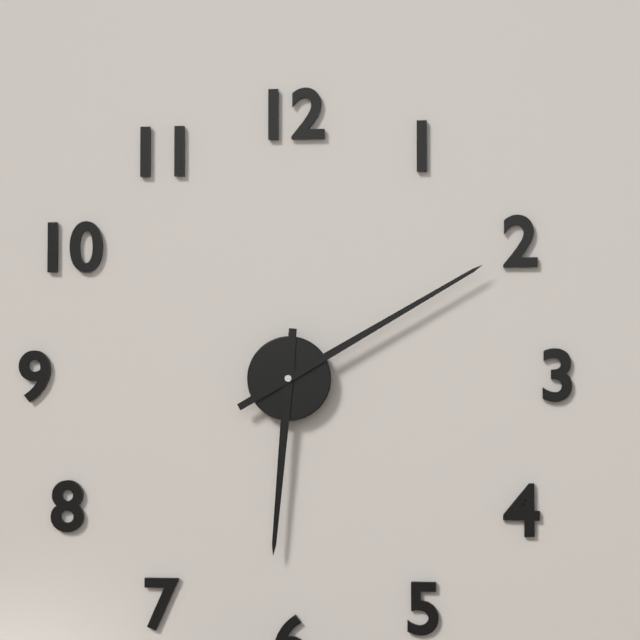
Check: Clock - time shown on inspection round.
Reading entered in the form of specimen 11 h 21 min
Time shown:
6 h 10 min
